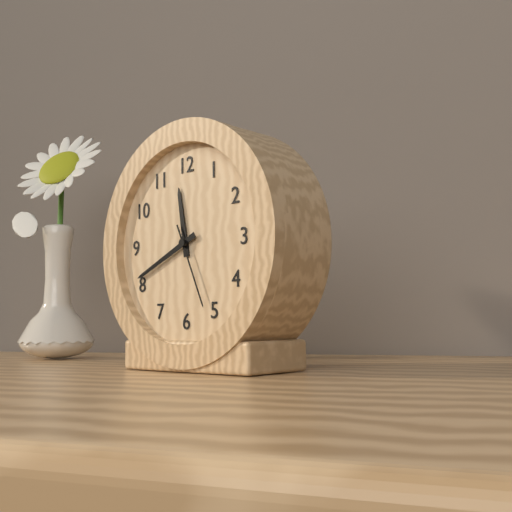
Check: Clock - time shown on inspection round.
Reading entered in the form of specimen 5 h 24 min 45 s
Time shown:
11 h 41 min 26 s
